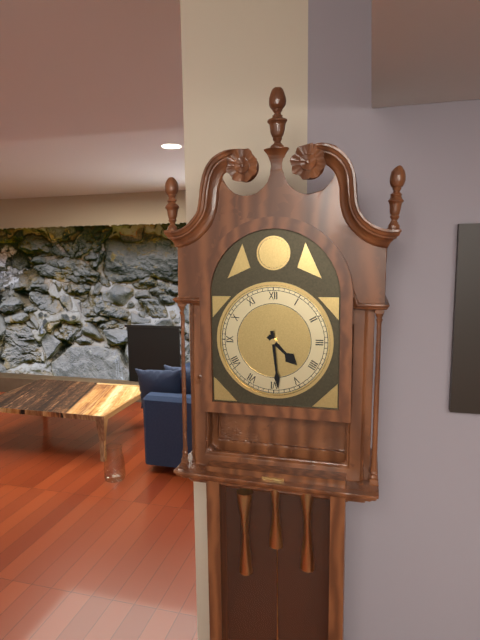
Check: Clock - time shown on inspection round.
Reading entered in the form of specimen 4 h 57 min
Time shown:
4 h 29 min
